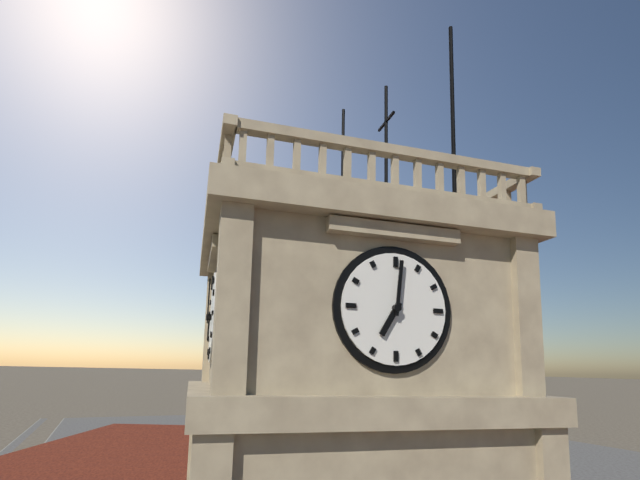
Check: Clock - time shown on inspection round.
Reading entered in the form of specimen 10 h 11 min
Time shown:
7 h 01 min
